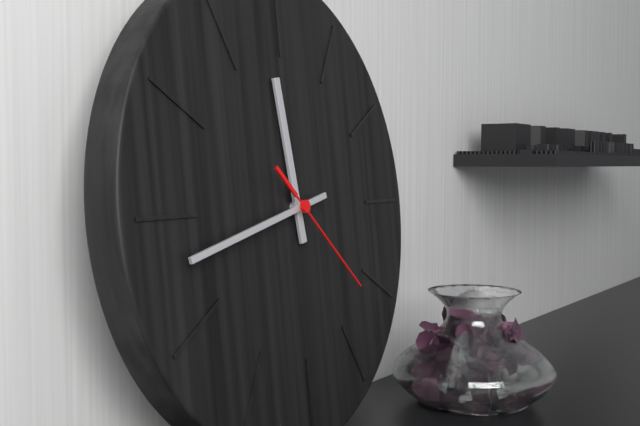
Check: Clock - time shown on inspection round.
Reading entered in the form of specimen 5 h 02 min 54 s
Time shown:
11 h 43 min 22 s
